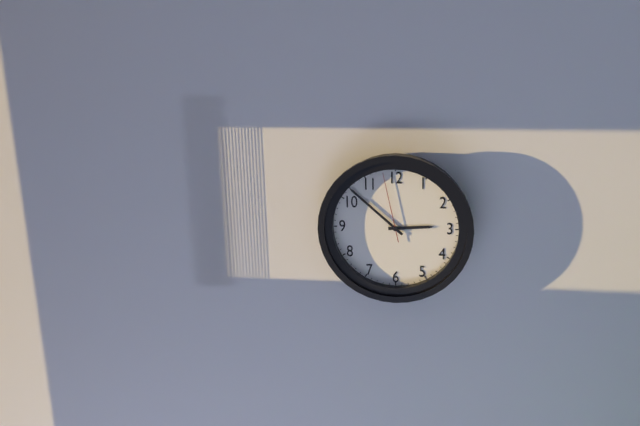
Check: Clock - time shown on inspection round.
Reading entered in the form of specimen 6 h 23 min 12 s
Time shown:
2 h 52 min 58 s
